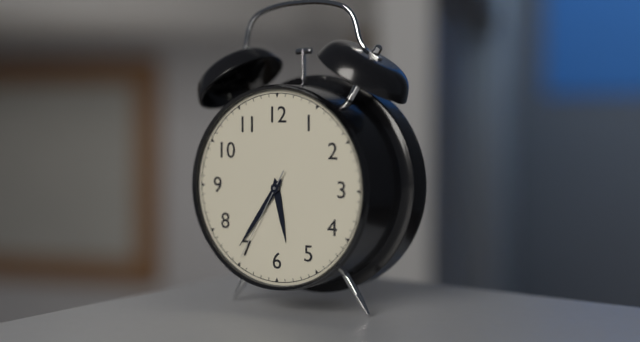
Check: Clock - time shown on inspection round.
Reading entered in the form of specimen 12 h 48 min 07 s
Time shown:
5 h 36 min 35 s
